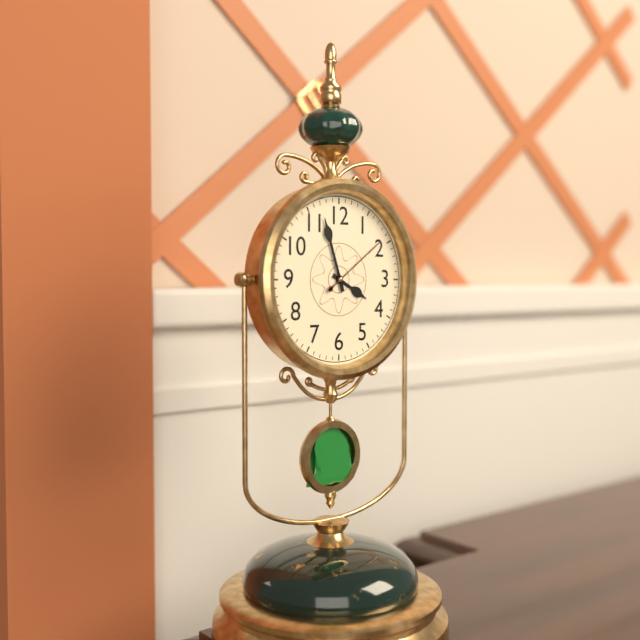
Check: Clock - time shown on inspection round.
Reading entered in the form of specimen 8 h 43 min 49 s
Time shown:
3 h 57 min 09 s
